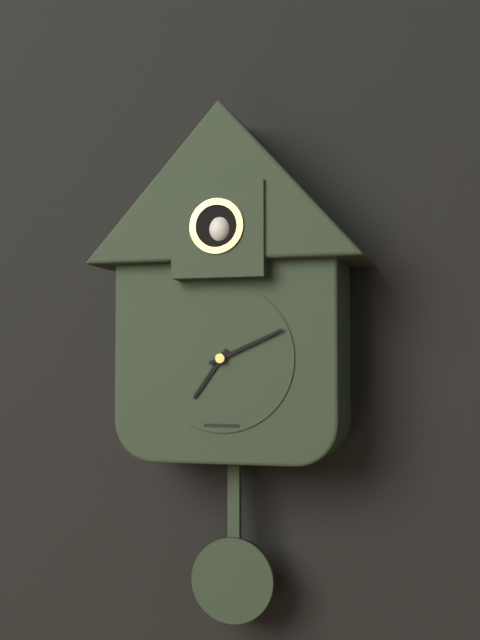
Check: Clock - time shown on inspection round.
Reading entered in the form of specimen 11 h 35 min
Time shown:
7 h 11 min
